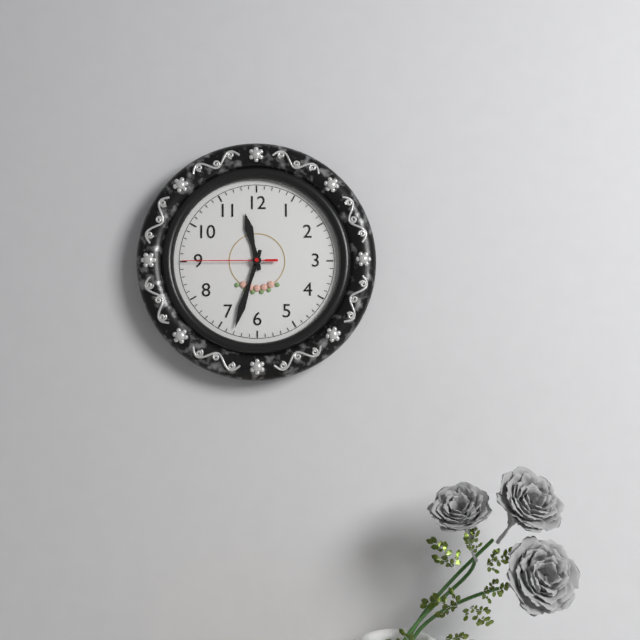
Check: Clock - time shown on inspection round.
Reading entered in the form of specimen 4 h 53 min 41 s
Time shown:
11 h 33 min 45 s
